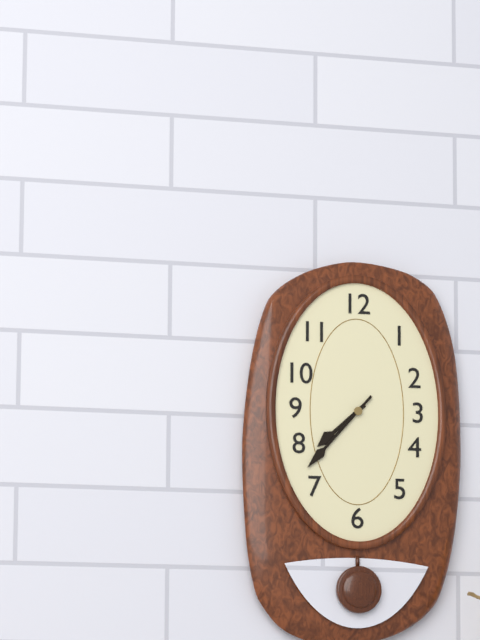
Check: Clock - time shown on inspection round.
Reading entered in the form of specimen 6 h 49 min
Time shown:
7 h 37 min
